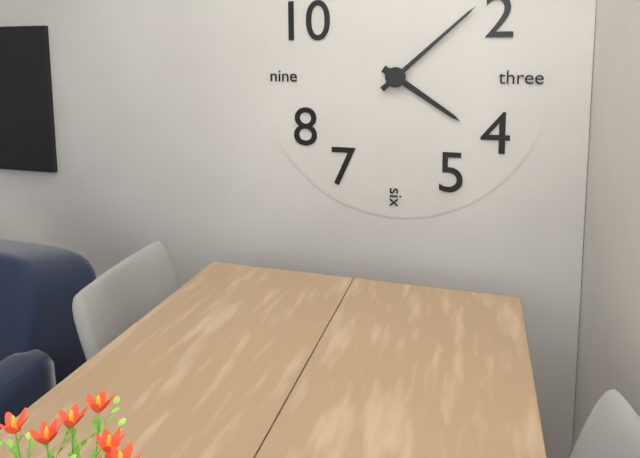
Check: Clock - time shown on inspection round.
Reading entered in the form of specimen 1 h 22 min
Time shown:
4 h 08 min
